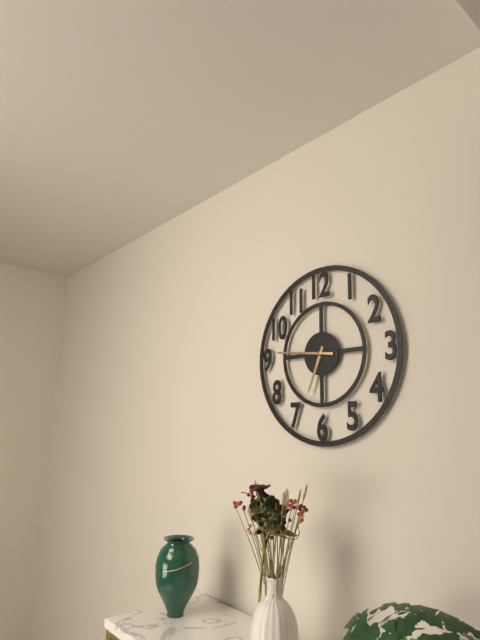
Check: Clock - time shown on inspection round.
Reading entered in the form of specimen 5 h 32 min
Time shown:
6 h 46 min
